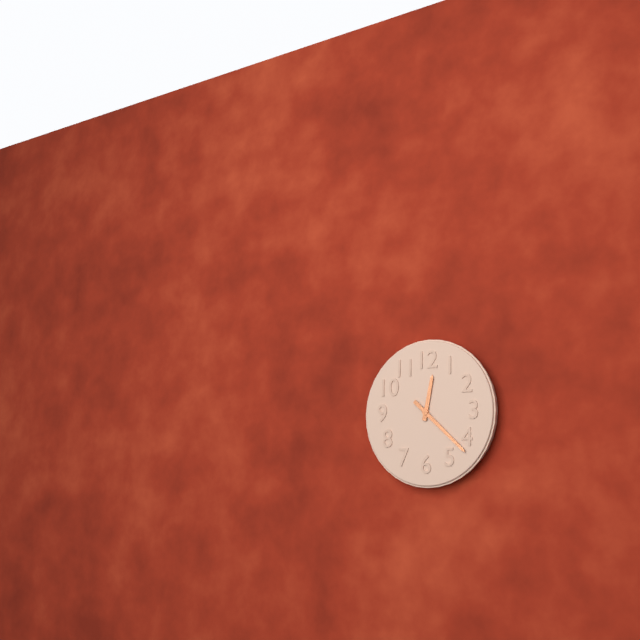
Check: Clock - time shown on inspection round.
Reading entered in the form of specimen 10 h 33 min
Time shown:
12 h 22 min
